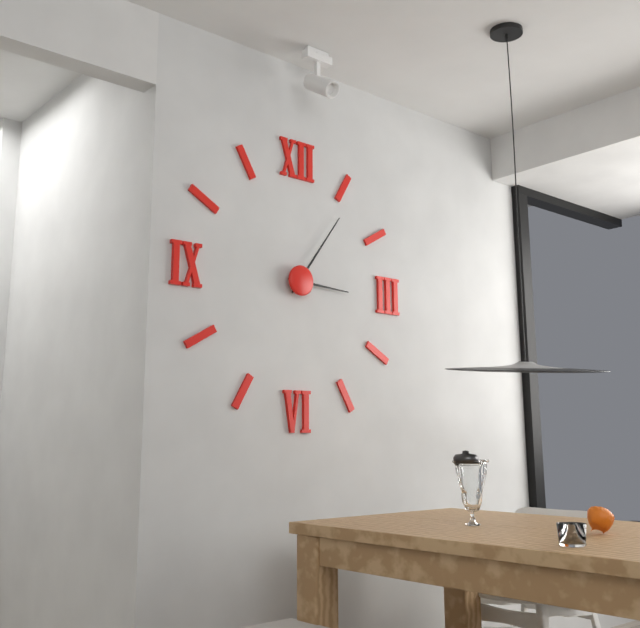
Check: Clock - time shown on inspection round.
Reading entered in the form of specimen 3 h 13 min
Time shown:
3 h 06 min
